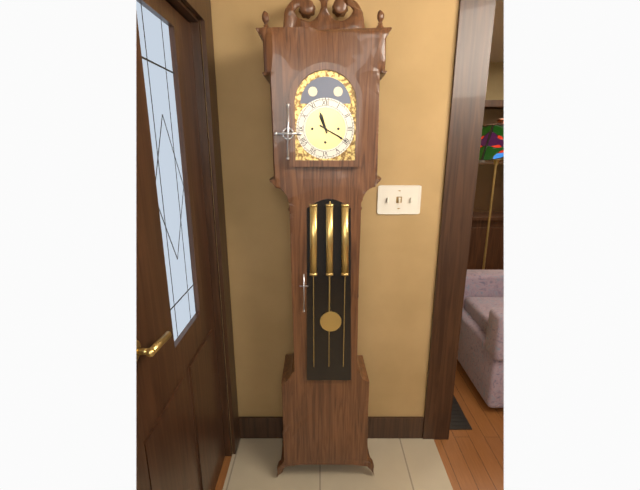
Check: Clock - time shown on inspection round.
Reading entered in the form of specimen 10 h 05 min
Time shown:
11 h 20 min
